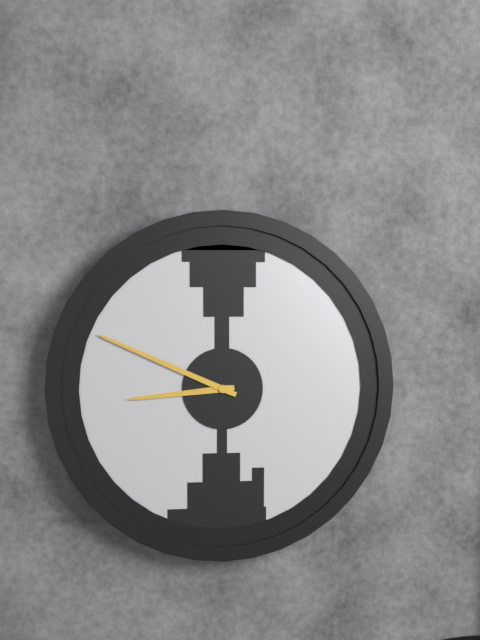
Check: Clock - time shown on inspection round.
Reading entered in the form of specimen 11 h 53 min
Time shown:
8 h 49 min
